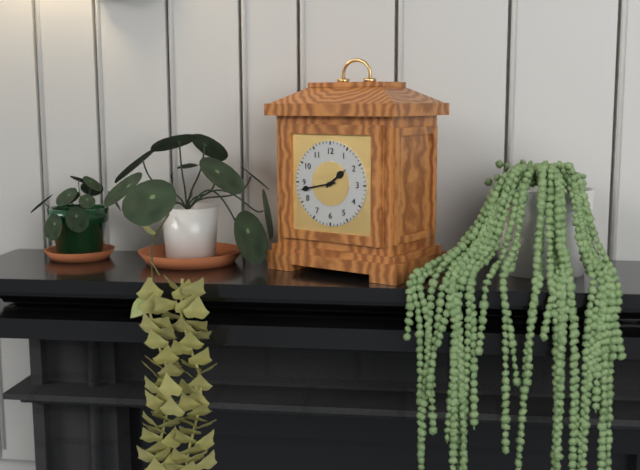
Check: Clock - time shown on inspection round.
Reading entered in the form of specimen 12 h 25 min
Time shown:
1 h 43 min
